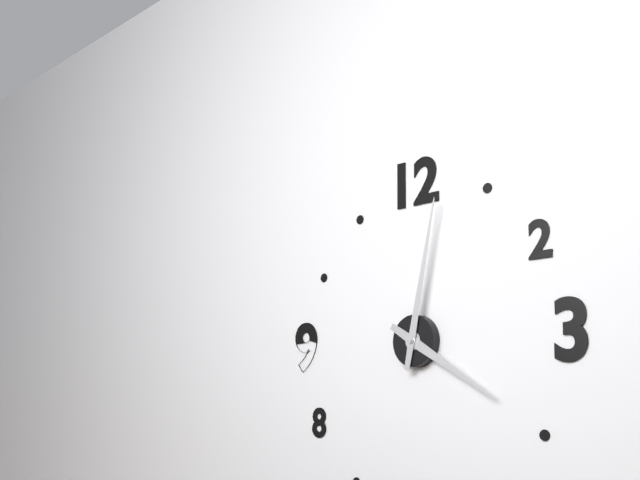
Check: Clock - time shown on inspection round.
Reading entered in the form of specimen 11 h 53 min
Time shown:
4 h 02 min
